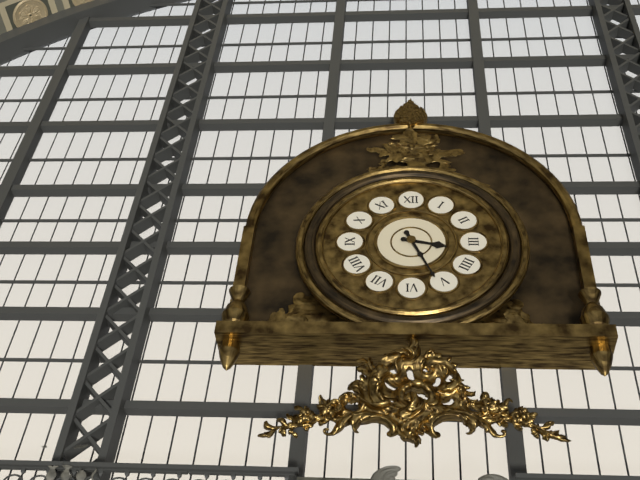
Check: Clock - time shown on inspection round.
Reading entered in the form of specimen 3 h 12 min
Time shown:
3 h 26 min
